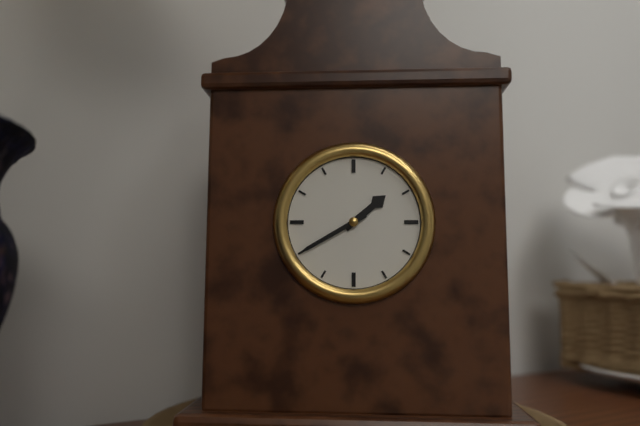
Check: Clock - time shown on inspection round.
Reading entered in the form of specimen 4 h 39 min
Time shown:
1 h 40 min
